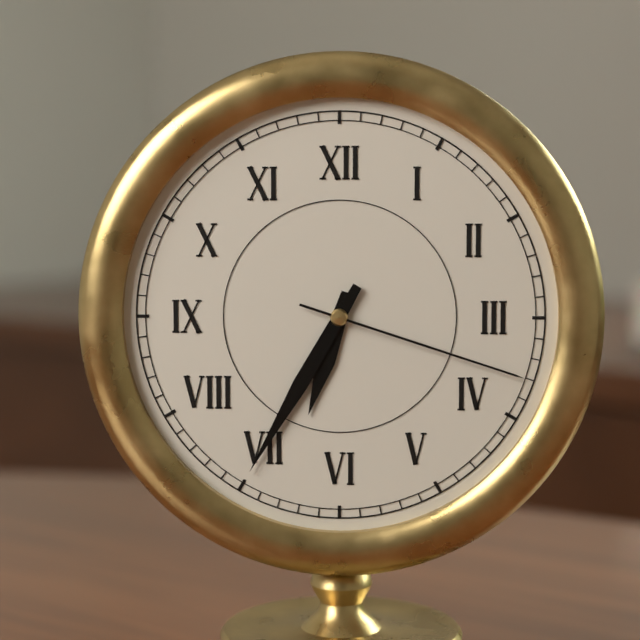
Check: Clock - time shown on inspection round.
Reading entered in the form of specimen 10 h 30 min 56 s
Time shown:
6 h 35 min 18 s
